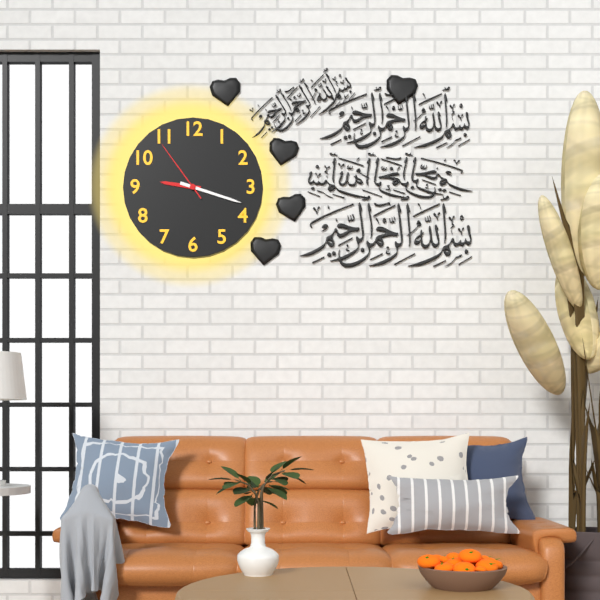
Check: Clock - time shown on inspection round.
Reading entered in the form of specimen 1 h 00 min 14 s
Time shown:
9 h 18 min 54 s
